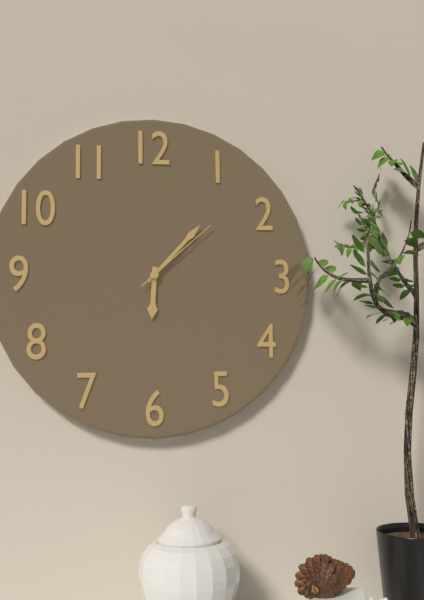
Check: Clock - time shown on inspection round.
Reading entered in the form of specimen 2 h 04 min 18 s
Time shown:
6 h 07 min 08 s
